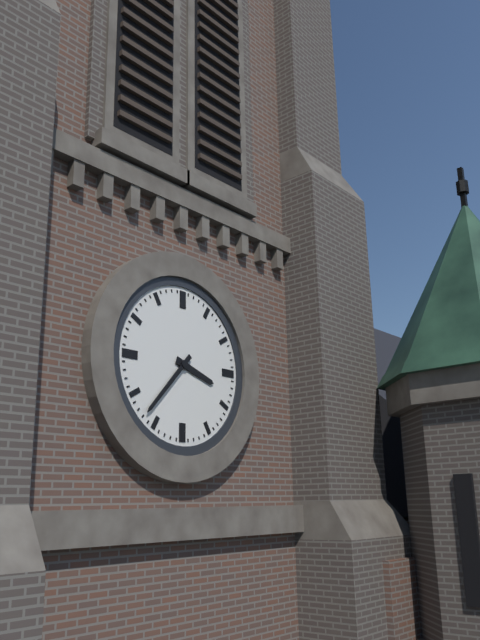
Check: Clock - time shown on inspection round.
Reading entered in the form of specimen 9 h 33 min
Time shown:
3 h 37 min
